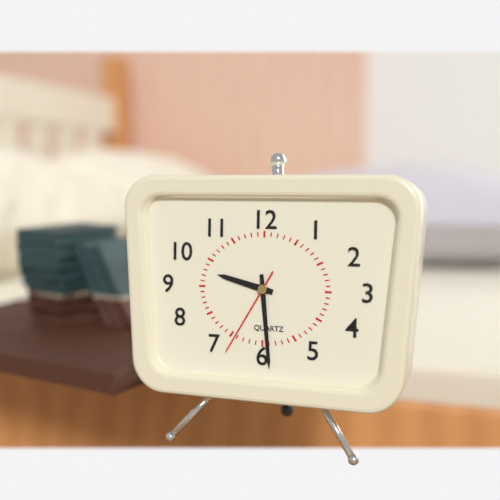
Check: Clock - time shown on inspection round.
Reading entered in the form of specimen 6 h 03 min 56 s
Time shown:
9 h 29 min 35 s
